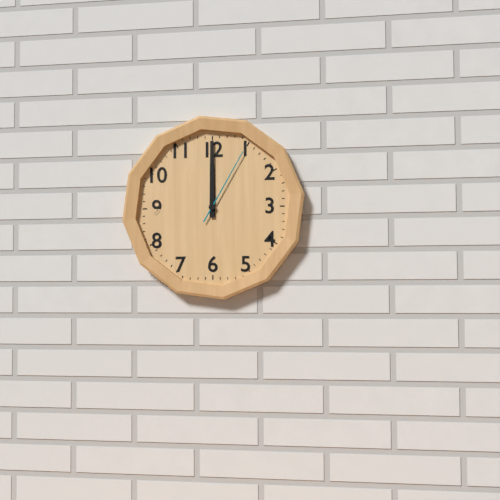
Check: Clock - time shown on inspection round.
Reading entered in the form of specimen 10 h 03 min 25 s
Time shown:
12 h 00 min 05 s
